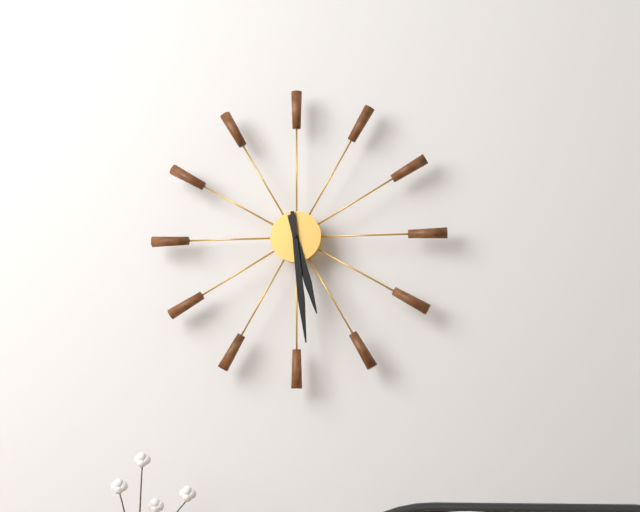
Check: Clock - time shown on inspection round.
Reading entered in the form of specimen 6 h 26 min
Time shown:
5 h 29 min
